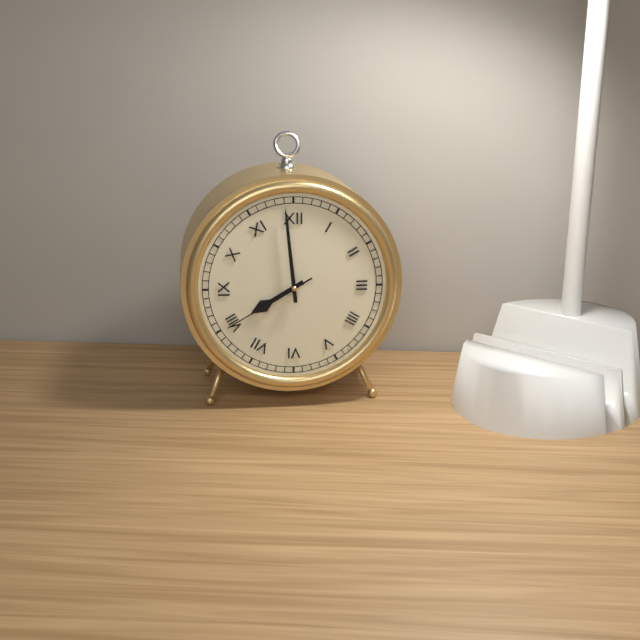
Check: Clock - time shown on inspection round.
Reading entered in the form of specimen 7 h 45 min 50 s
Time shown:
7 h 59 min 40 s
